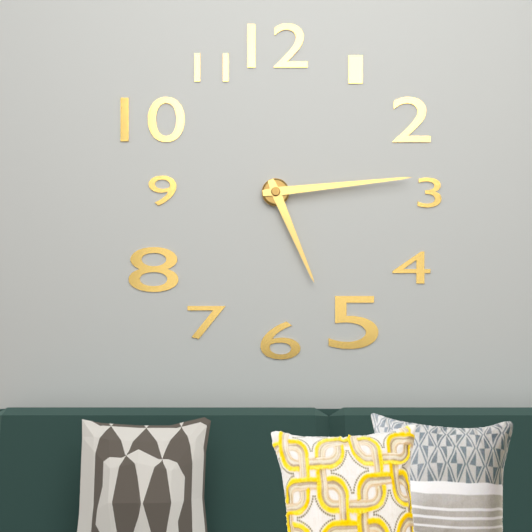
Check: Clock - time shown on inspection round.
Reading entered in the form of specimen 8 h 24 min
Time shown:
5 h 14 min
